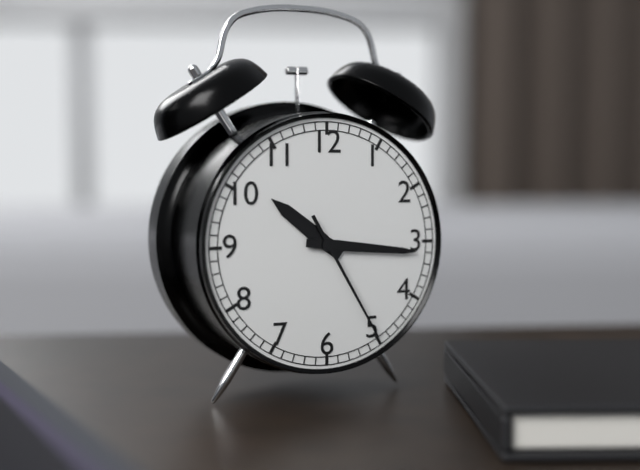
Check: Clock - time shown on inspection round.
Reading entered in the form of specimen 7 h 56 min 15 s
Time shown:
10 h 16 min 25 s
